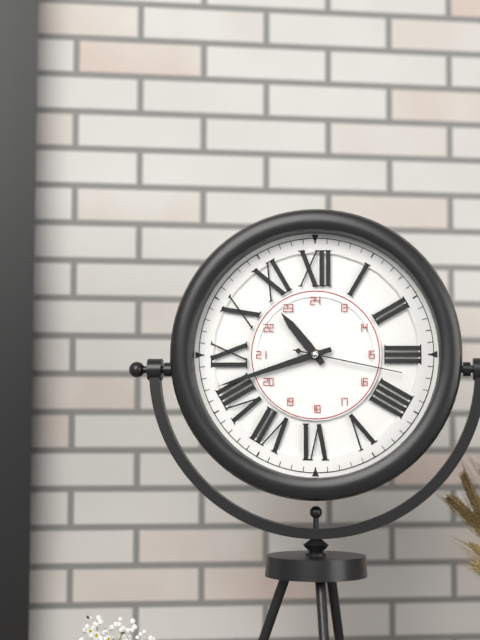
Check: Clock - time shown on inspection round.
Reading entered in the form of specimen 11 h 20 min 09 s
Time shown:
10 h 42 min 17 s
